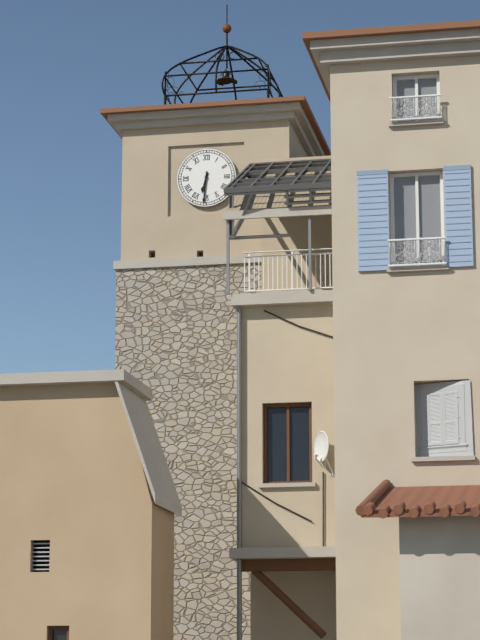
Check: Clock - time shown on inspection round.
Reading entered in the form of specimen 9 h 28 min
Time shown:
6 h 31 min
